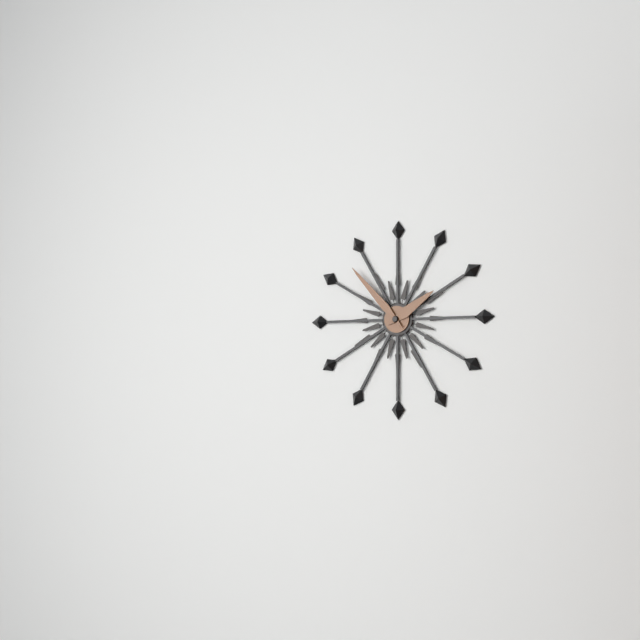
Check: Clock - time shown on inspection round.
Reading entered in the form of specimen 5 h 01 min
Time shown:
1 h 53 min
